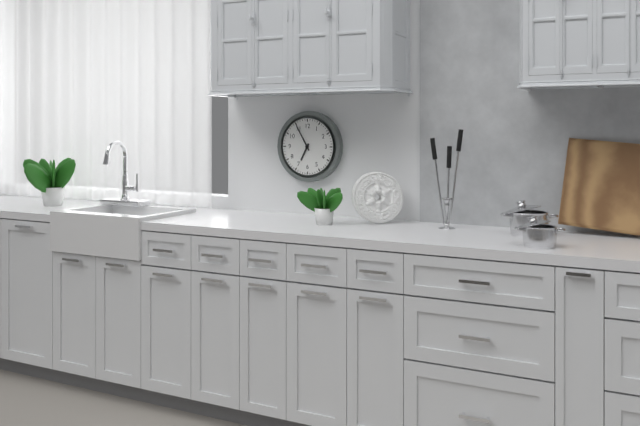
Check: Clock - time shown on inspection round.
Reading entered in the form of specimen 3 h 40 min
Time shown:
6 h 55 min
